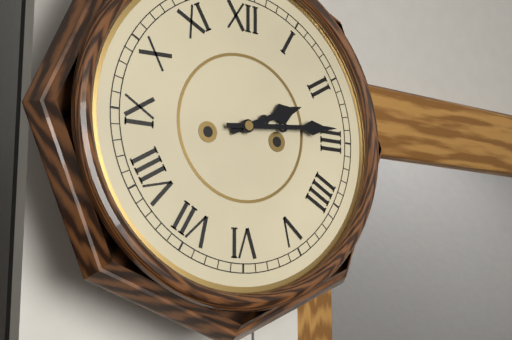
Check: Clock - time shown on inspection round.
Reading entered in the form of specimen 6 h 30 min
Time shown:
2 h 14 min
